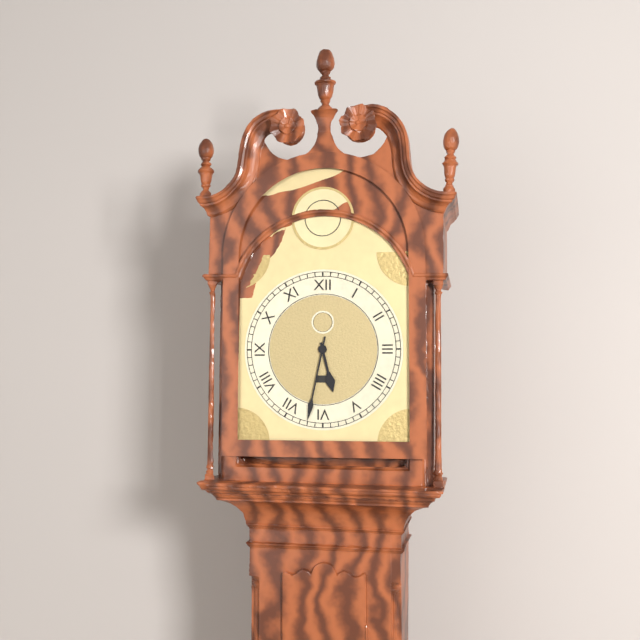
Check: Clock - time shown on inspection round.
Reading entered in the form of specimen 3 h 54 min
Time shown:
5 h 32 min
